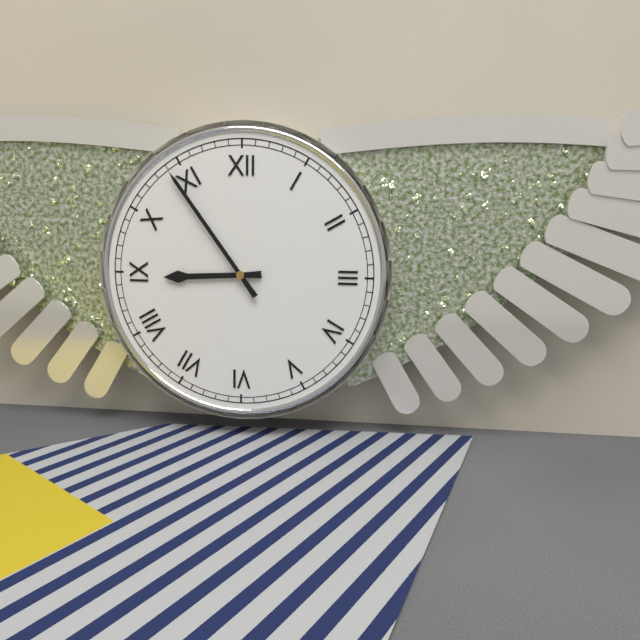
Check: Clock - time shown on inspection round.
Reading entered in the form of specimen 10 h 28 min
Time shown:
8 h 54 min
